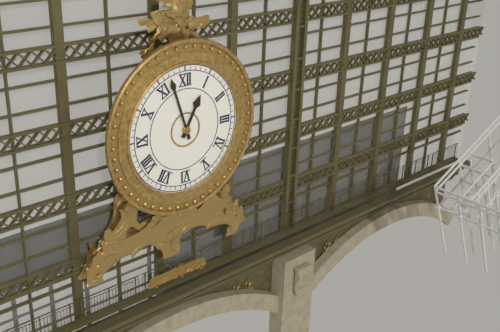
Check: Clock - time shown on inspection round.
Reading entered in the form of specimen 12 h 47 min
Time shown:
12 h 57 min
